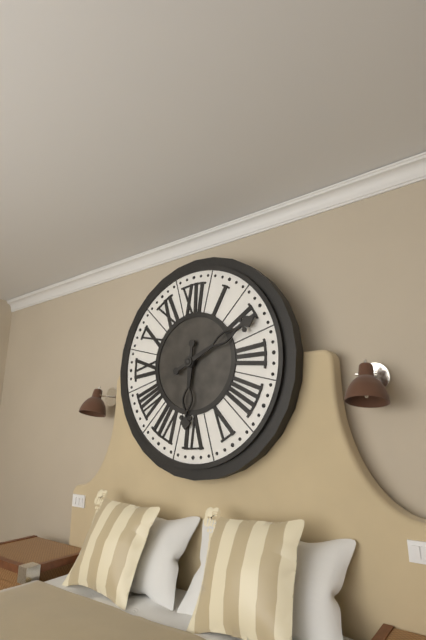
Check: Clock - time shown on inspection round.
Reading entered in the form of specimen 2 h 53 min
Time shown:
6 h 11 min
